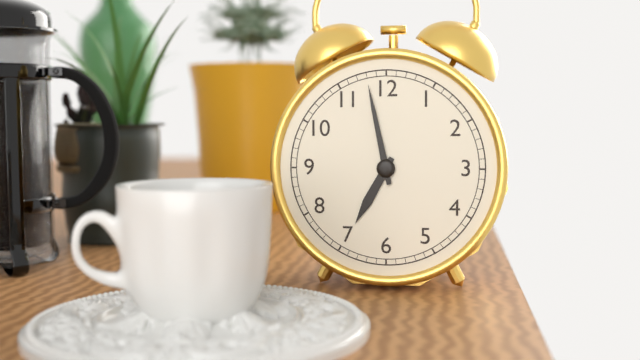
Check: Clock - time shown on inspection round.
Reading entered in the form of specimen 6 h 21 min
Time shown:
6 h 58 min
